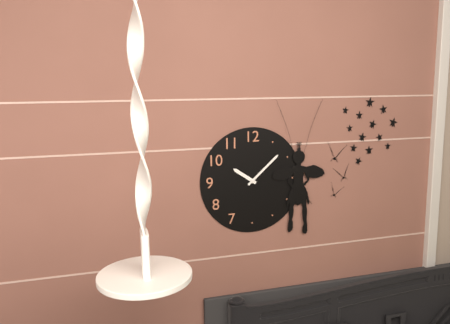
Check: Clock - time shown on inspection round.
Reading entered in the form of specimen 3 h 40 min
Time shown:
10 h 08 min
